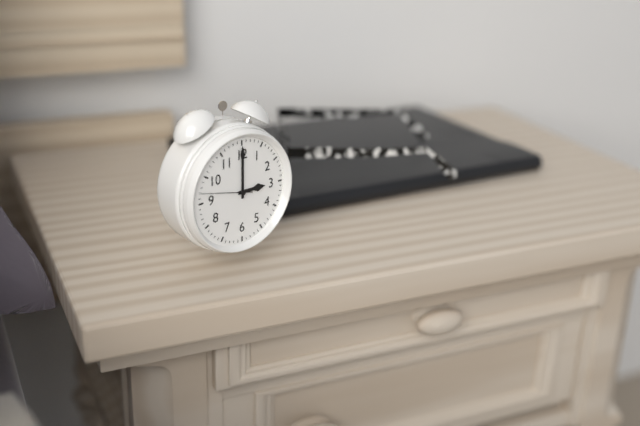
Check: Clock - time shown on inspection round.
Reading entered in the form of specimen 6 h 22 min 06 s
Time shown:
3 h 00 min 47 s
